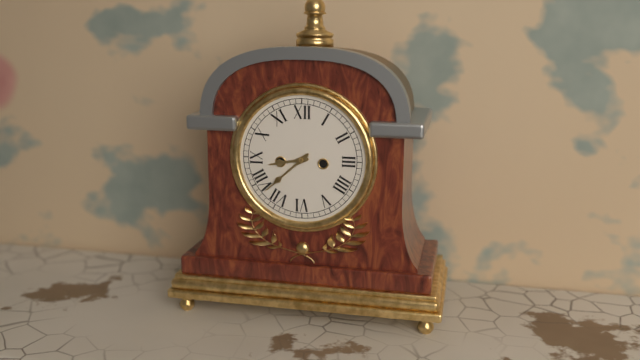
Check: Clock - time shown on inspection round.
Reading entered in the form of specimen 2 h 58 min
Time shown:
8 h 38 min
